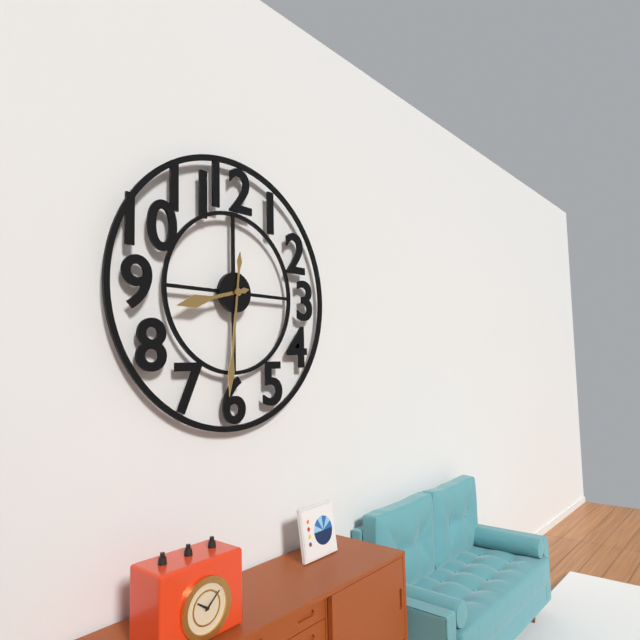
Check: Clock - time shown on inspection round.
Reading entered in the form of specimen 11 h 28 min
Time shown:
8 h 31 min
